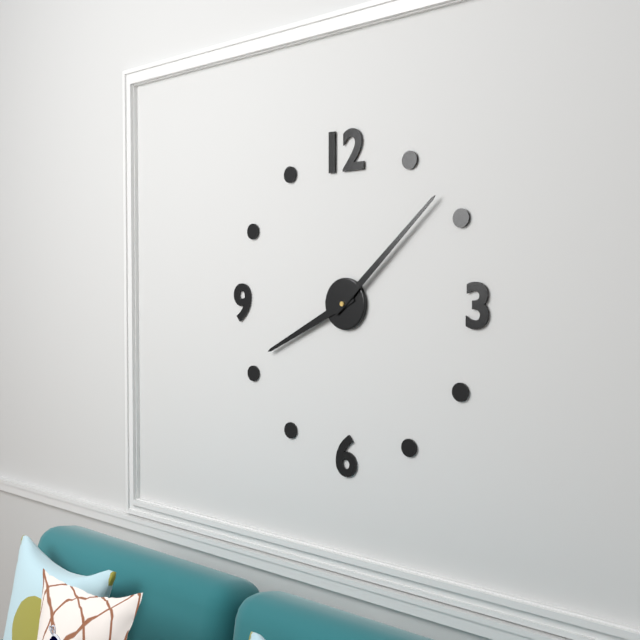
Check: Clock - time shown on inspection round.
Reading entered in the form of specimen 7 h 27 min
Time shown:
8 h 08 min
